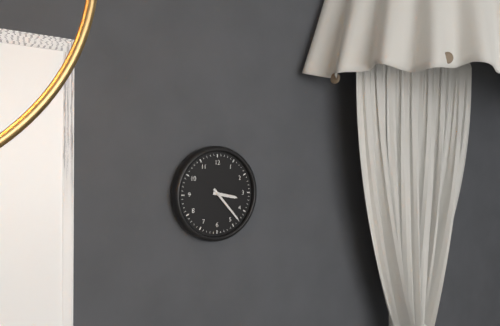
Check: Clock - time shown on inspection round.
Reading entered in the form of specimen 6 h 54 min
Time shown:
3 h 23 min
